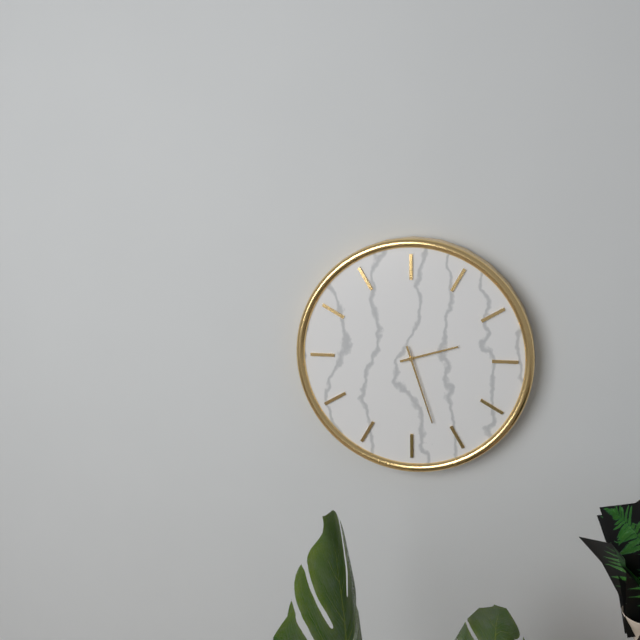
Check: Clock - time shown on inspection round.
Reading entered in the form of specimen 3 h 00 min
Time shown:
2 h 27 min
